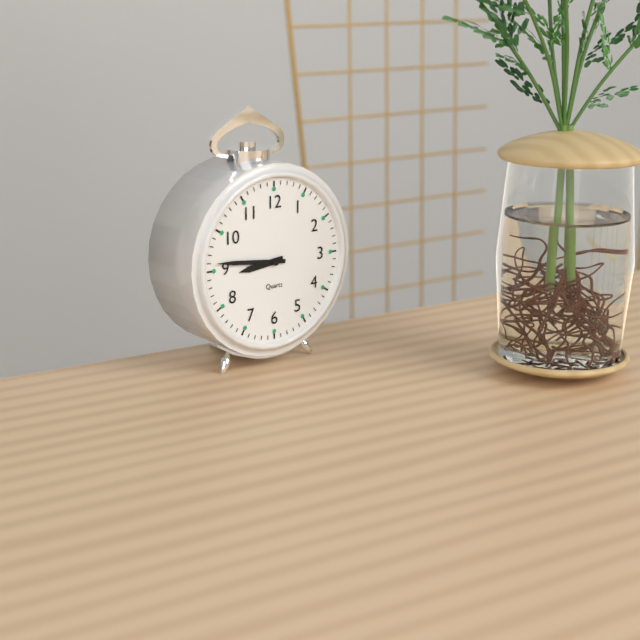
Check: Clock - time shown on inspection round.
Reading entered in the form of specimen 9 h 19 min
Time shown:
8 h 46 min
